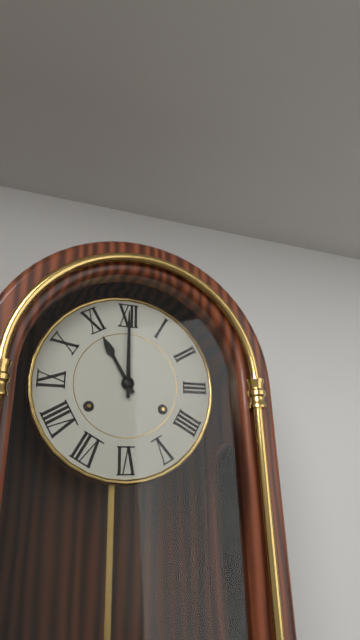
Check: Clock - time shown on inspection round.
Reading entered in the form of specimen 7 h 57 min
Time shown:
11 h 00 min
